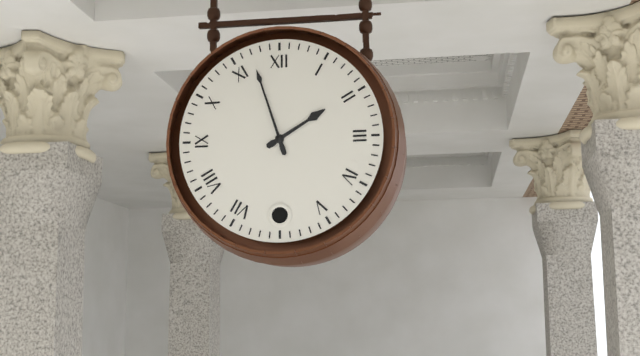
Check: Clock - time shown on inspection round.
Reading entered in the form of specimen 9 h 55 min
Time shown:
1 h 57 min
